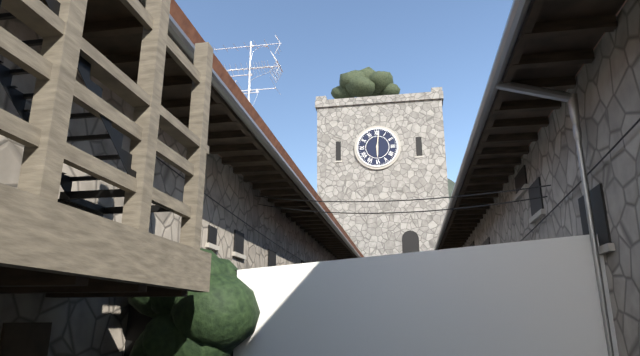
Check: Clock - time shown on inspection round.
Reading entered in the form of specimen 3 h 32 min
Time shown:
6 h 01 min
